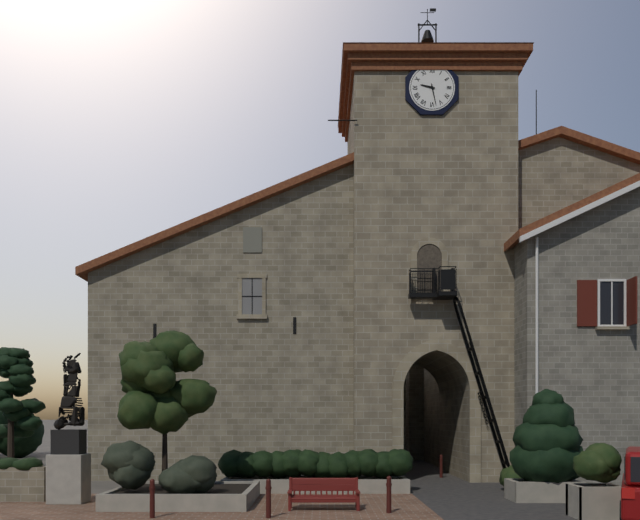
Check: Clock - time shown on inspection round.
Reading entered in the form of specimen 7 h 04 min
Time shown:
9 h 28 min
